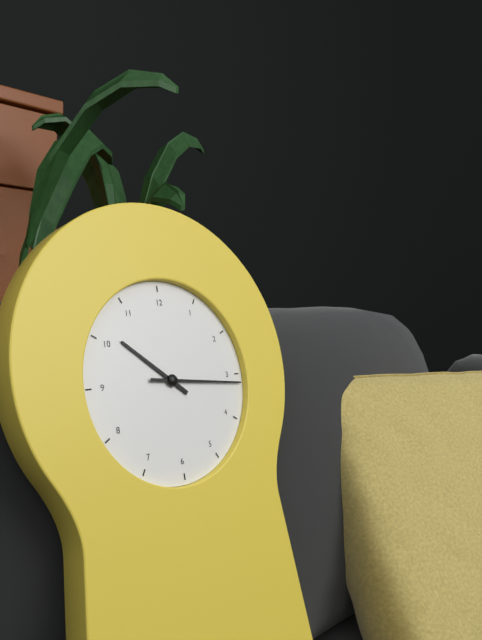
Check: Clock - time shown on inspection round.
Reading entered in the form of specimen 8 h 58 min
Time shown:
10 h 16 min
